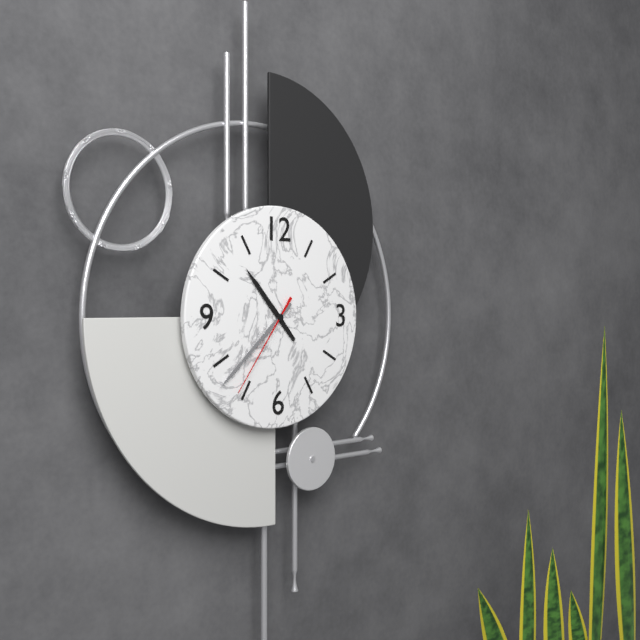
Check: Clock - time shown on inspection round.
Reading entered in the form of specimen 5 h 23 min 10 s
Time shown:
10 h 38 min 36 s
